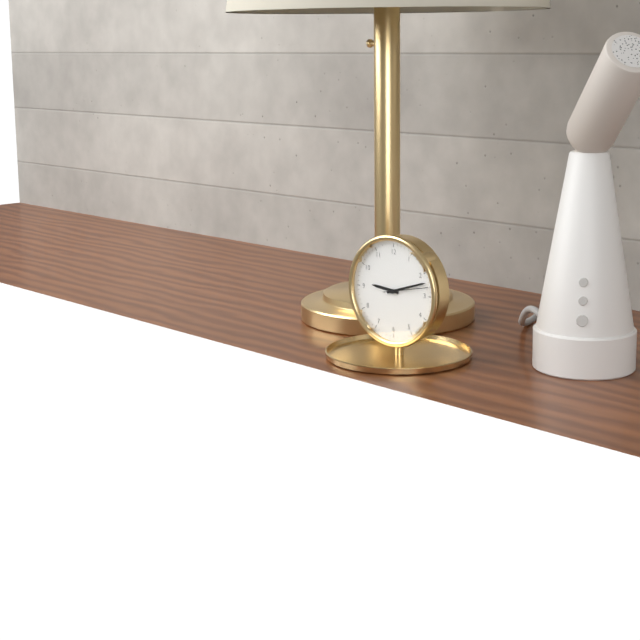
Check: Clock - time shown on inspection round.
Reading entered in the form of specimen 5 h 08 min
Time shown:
9 h 12 min
